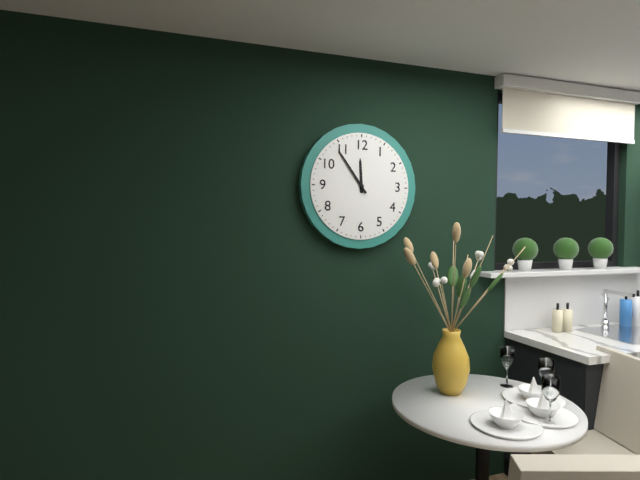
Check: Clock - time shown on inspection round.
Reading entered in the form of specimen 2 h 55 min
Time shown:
11 h 54 min
